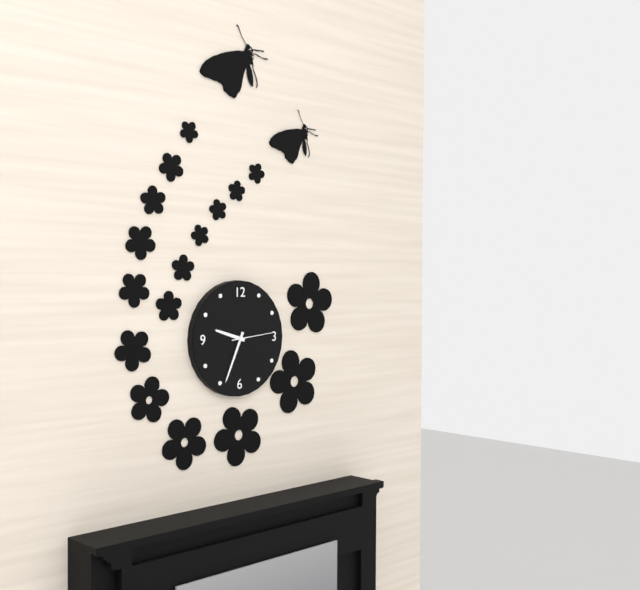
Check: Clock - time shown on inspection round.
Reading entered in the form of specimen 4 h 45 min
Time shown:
9 h 34 min
